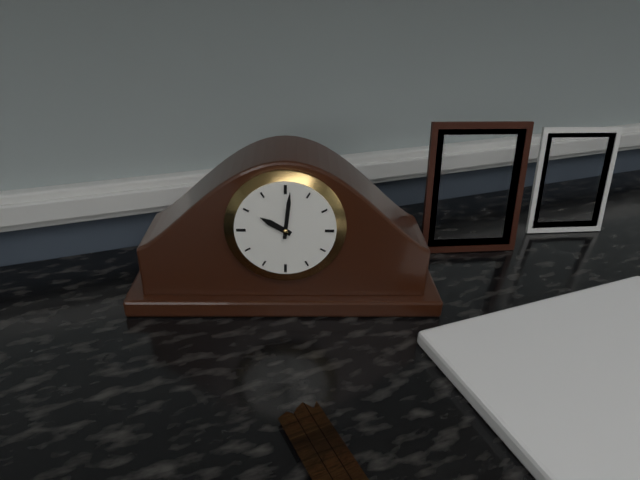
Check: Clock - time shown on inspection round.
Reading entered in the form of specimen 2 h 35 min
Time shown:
10 h 01 min
